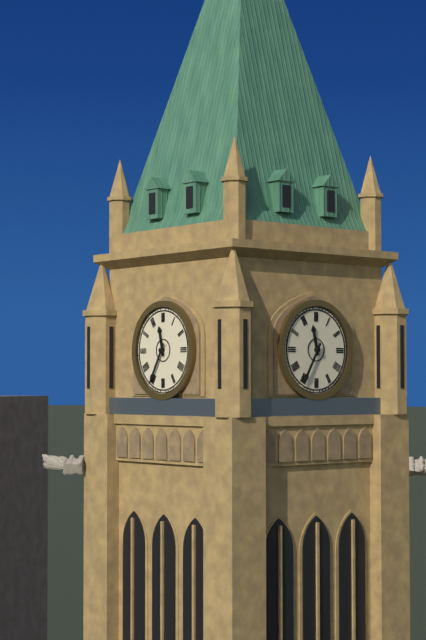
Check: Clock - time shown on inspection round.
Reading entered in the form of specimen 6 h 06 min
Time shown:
11 h 35 min
